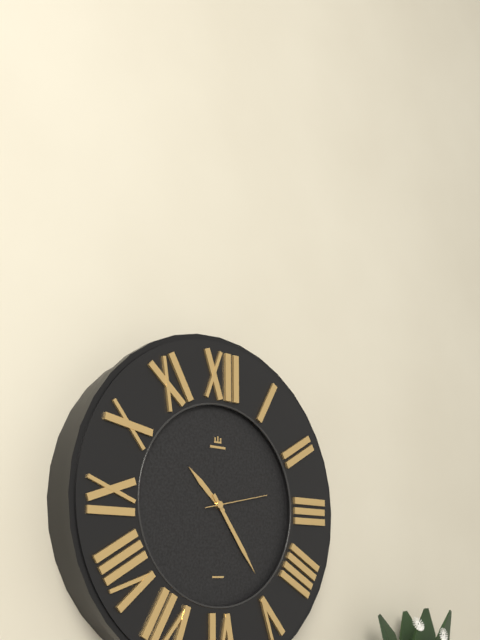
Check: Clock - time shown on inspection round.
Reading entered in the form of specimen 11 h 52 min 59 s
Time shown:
10 h 24 min 13 s
